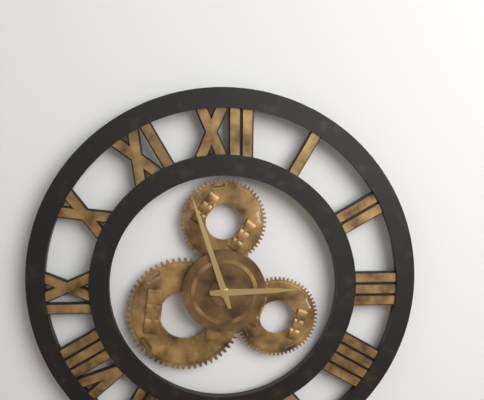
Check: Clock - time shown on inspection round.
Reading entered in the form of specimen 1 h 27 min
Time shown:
2 h 57 min
